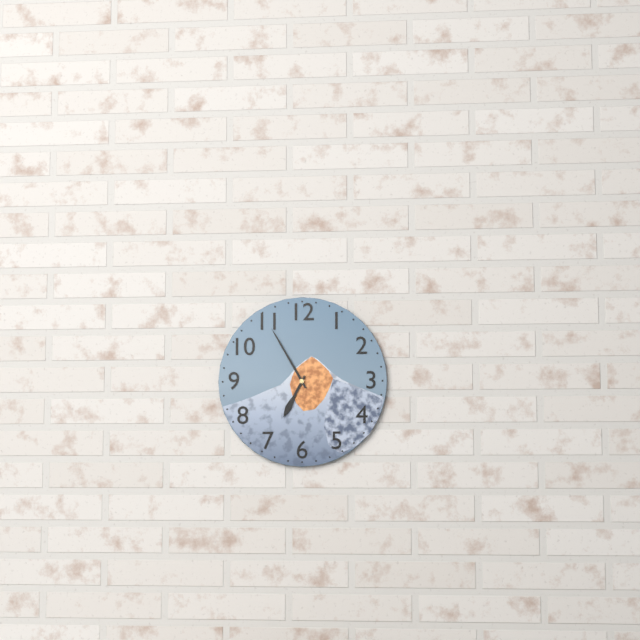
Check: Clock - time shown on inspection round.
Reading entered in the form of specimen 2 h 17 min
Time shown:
6 h 55 min
